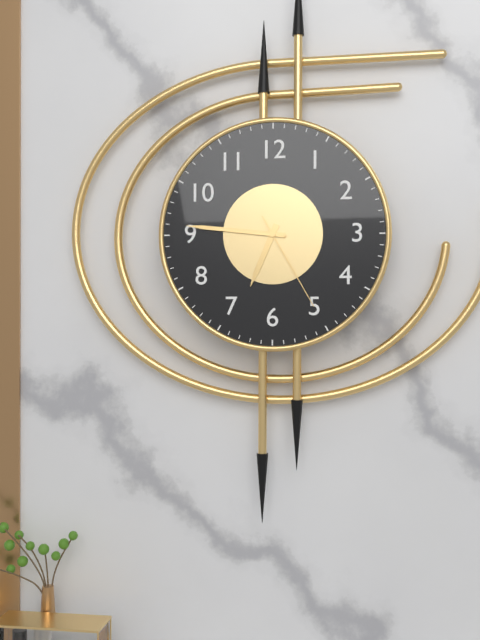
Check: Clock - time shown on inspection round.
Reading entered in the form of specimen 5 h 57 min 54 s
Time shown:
6 h 46 min 25 s
